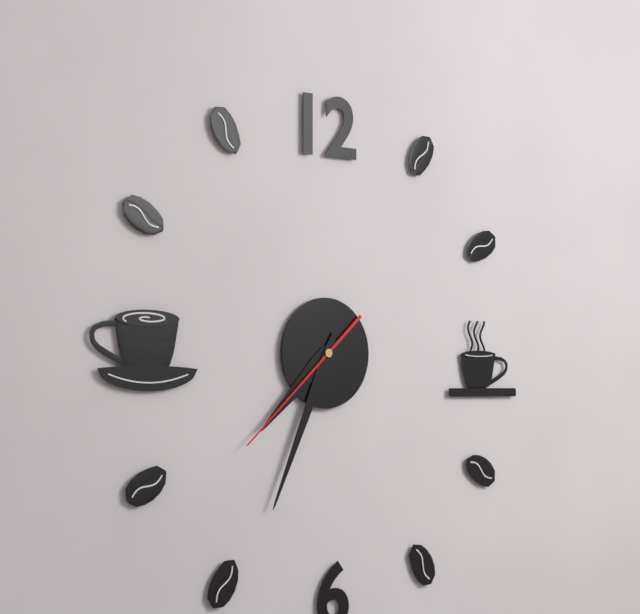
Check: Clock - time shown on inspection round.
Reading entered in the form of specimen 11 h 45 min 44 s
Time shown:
7 h 34 min 38 s
